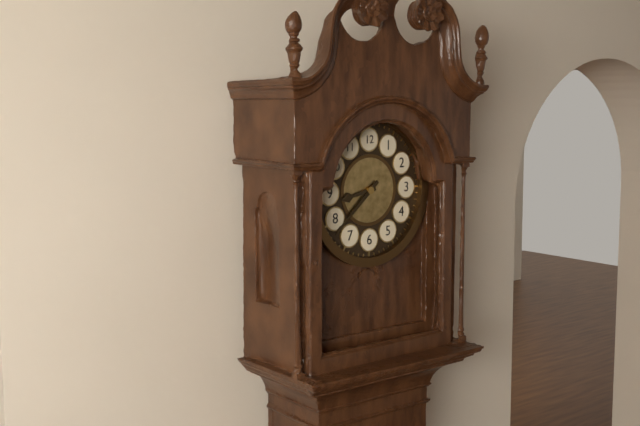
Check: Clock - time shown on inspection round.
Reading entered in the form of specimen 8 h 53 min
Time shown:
8 h 38 min
